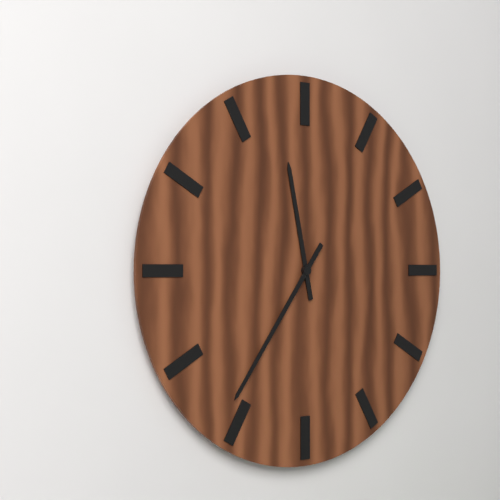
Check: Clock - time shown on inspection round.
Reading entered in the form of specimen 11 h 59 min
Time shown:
11 h 36 min
